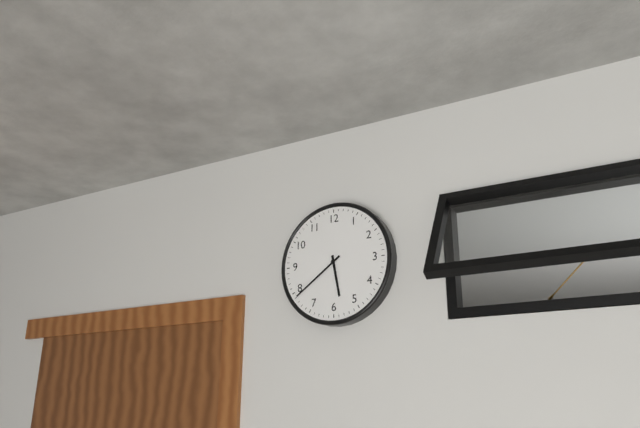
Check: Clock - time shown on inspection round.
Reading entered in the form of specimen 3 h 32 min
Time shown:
5 h 39 min
